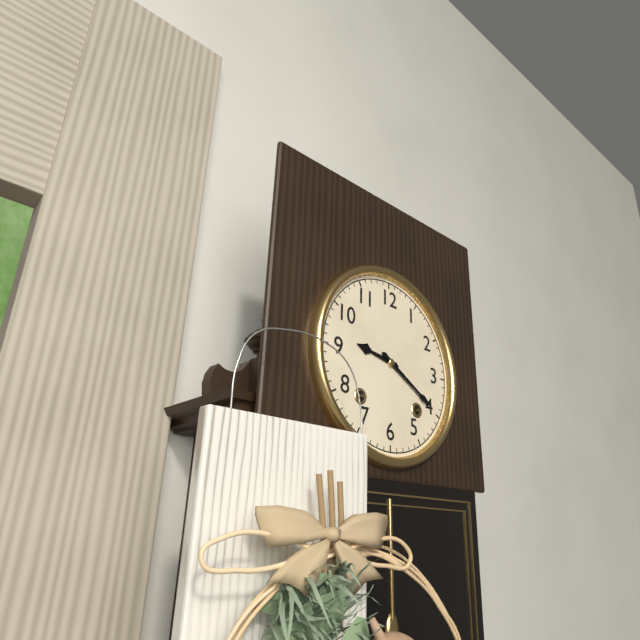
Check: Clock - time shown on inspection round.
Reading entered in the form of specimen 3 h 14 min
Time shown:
9 h 20 min
